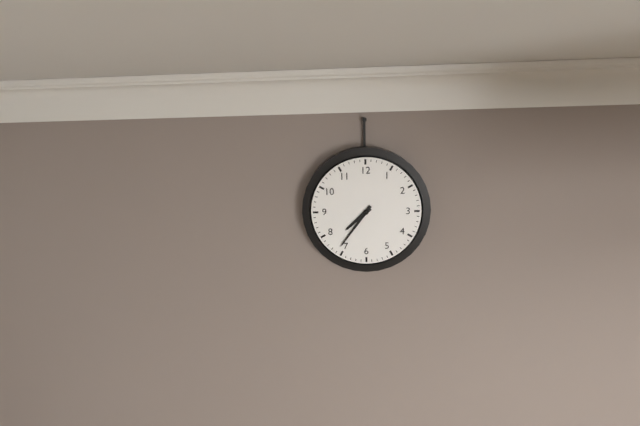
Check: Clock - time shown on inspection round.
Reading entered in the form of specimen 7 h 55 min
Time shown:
7 h 36 min
